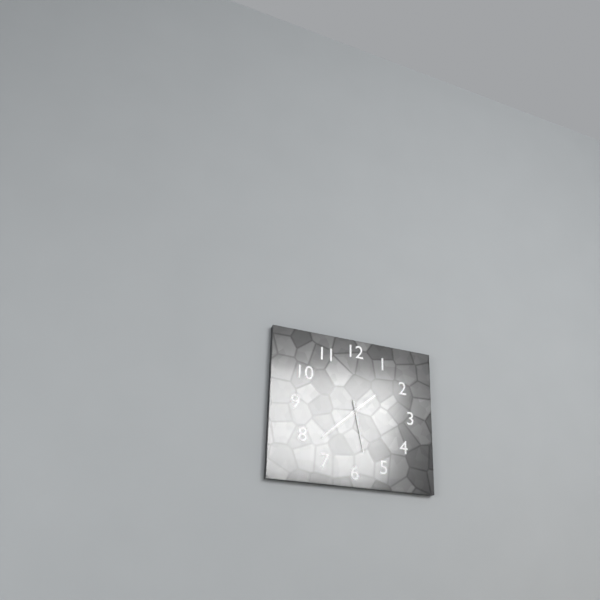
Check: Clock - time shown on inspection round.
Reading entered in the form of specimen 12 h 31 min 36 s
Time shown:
1 h 38 min 28 s
